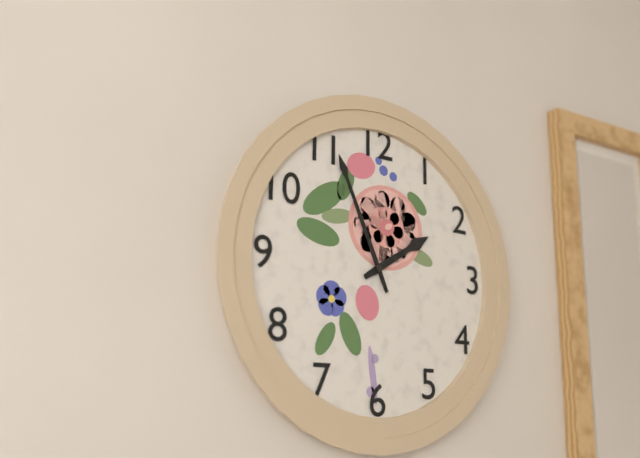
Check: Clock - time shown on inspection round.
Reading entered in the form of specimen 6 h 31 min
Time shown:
1 h 56 min
